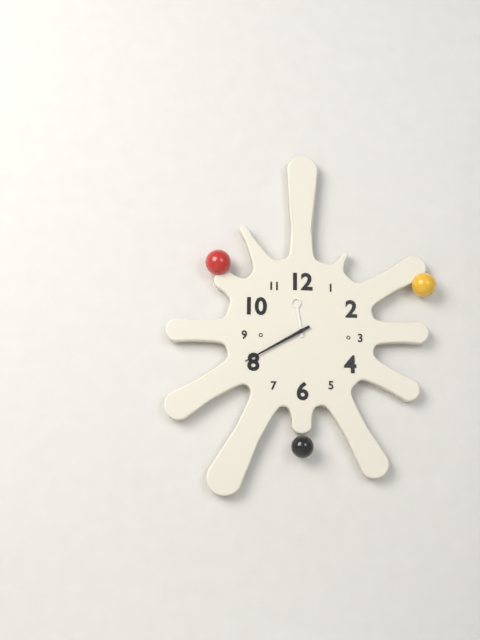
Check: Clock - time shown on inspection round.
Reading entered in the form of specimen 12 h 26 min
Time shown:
11 h 40 min
